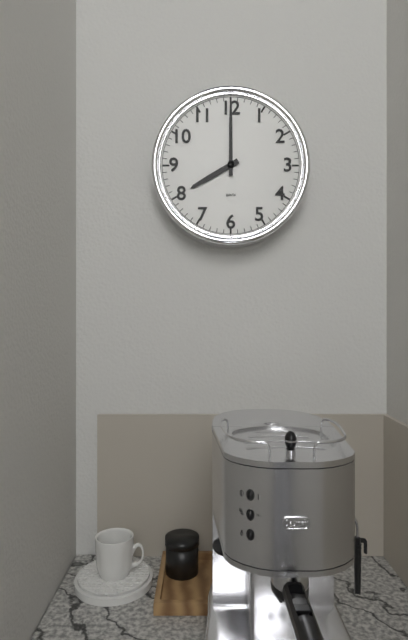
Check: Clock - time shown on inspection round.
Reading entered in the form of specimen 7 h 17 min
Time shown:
8 h 00 min
